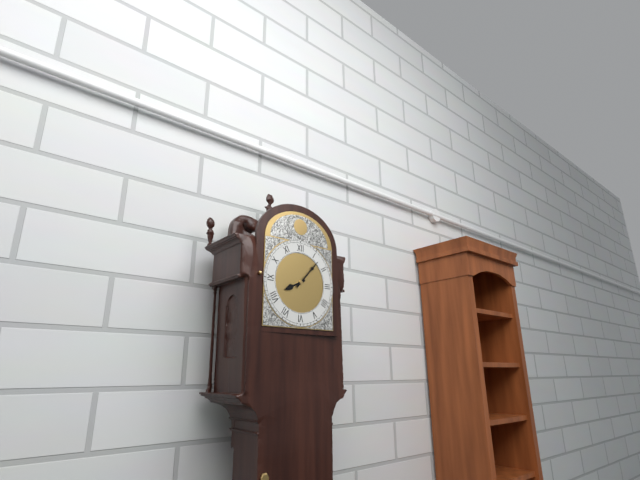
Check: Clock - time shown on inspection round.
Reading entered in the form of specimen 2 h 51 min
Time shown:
8 h 07 min
